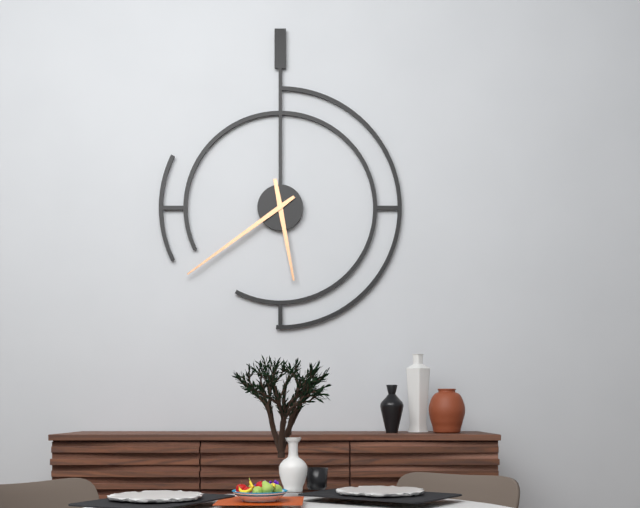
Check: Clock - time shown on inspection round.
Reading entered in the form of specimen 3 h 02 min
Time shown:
5 h 39 min
